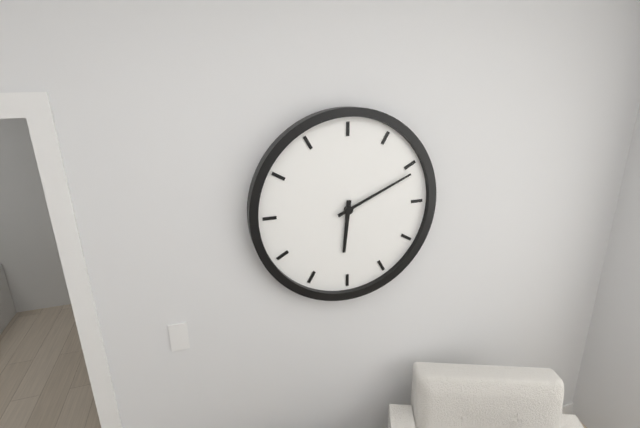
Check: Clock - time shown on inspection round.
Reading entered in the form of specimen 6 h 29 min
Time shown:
6 h 11 min
